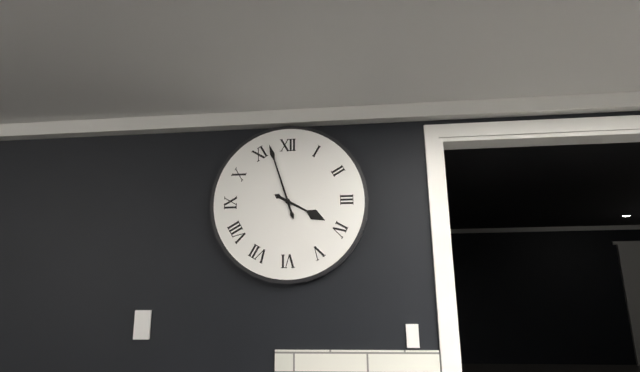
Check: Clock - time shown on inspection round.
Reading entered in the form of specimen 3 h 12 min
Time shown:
3 h 57 min
